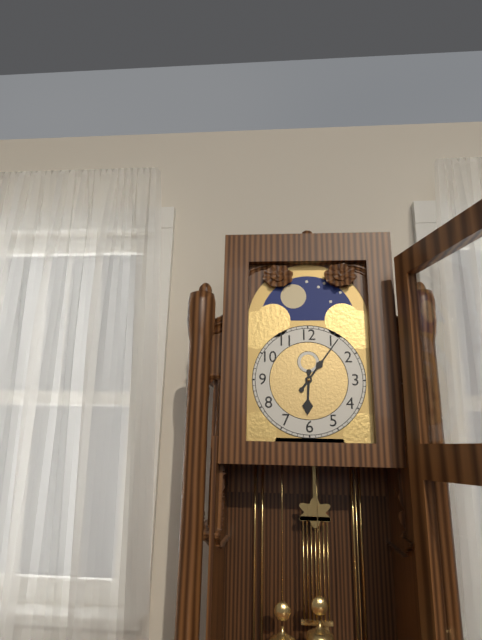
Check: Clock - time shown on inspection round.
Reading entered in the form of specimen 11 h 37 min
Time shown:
6 h 06 min
